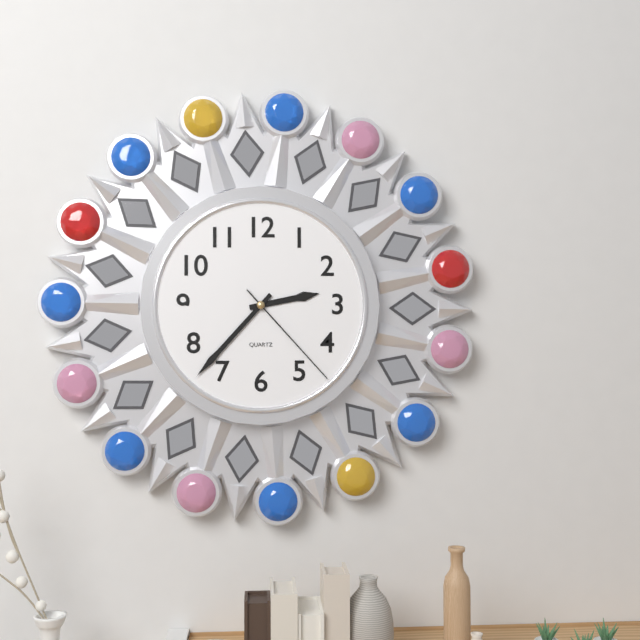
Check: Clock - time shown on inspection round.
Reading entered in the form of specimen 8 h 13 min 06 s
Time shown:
2 h 37 min 23 s
